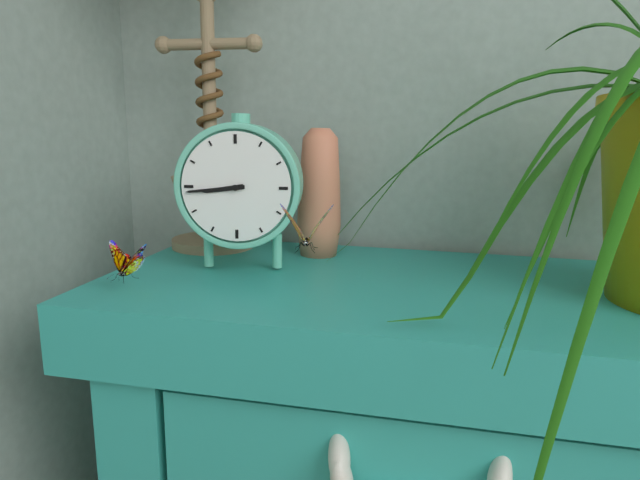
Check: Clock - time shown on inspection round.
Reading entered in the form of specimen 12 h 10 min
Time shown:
8 h 44 min
